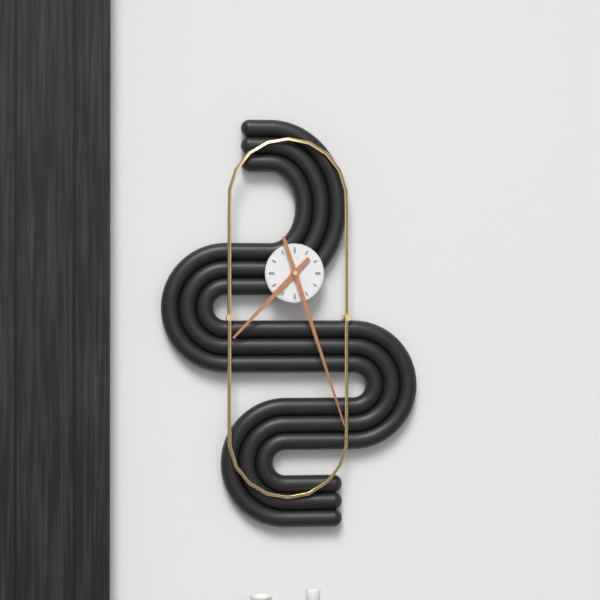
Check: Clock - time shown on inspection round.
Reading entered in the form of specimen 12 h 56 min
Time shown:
7 h 27 min
